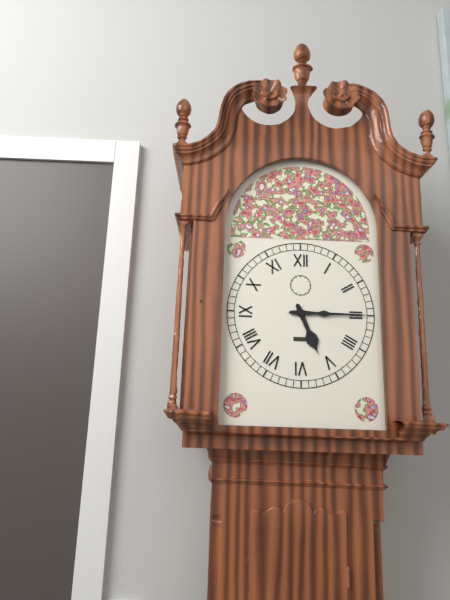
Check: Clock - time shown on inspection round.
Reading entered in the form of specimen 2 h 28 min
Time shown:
5 h 15 min
